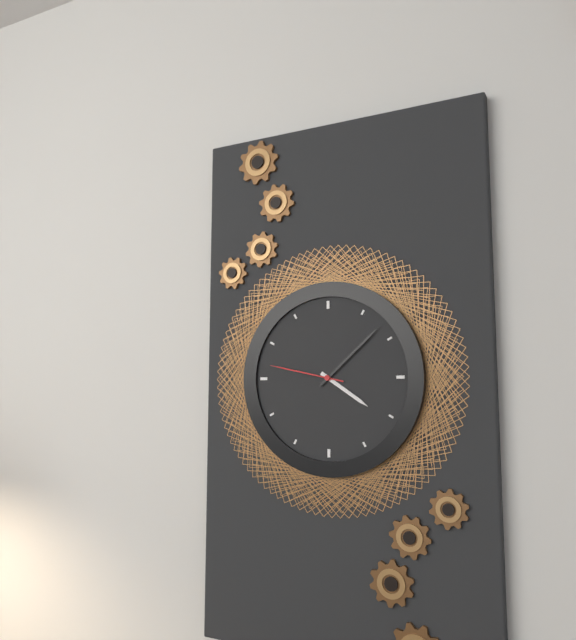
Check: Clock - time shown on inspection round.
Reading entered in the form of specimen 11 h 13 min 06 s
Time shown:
4 h 08 min 47 s
